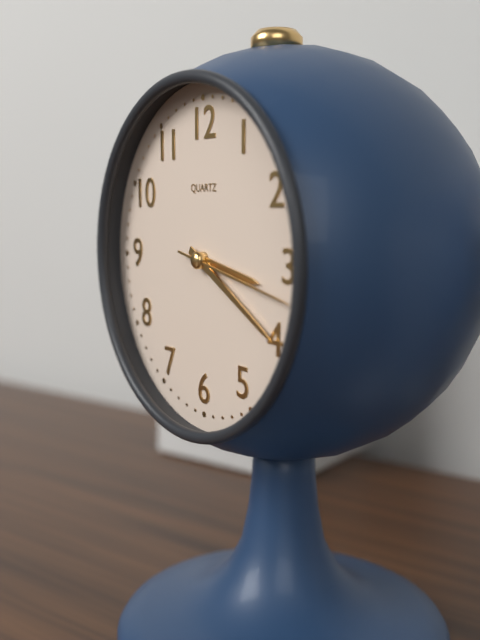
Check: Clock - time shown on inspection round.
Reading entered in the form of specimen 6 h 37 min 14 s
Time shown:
3 h 20 min 17 s
